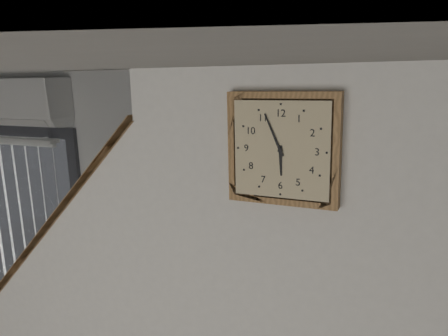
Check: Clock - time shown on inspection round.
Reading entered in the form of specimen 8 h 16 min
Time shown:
5 h 56 min
